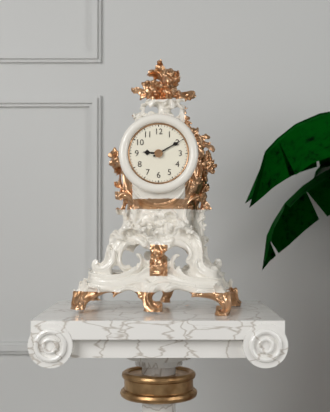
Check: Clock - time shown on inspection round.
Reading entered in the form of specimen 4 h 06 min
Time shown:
9 h 10 min
